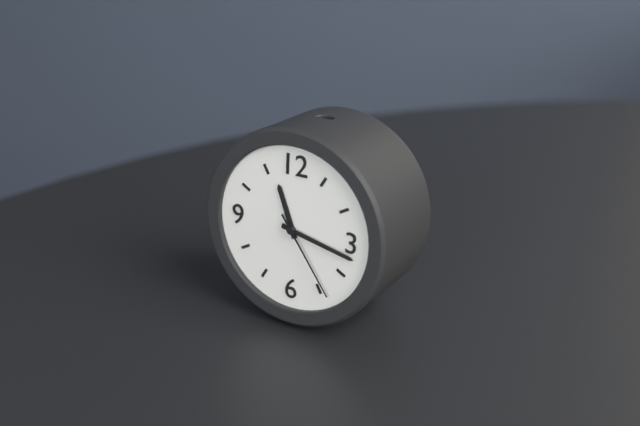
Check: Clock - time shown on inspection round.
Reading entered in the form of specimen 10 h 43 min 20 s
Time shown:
11 h 17 min 24 s
